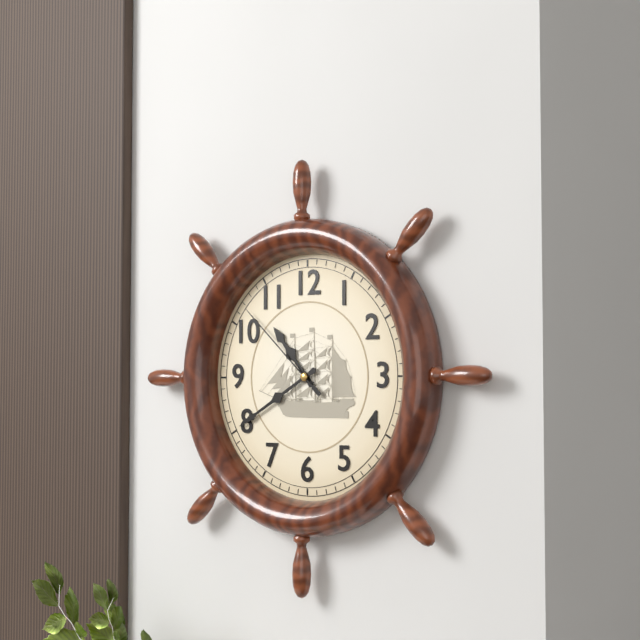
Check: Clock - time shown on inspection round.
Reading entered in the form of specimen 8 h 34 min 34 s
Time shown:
10 h 40 min 52 s
